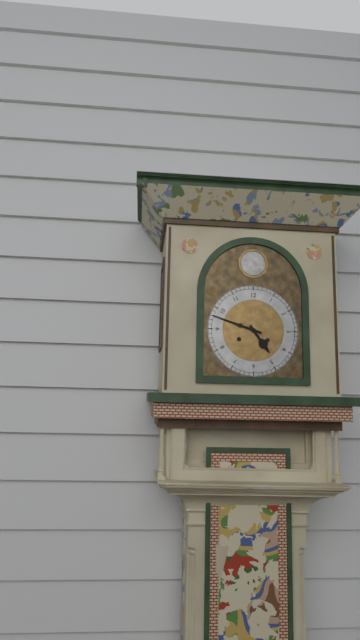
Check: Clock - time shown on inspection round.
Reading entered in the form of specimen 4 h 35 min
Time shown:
4 h 48 min
